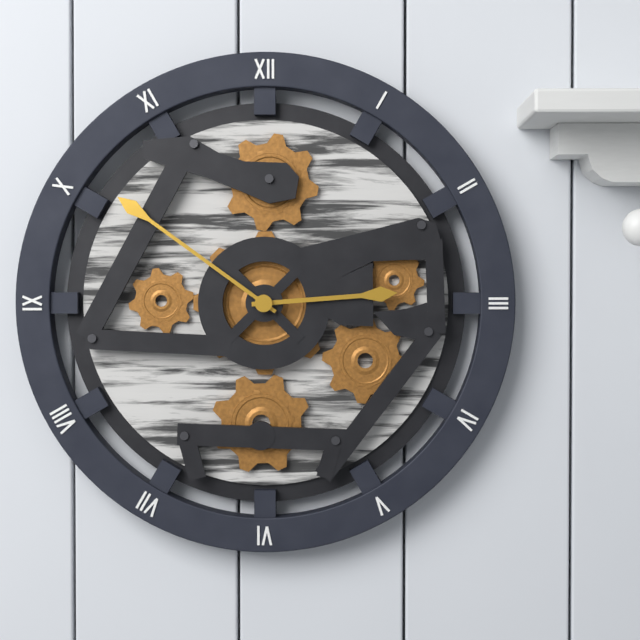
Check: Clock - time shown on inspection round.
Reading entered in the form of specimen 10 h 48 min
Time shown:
2 h 51 min
